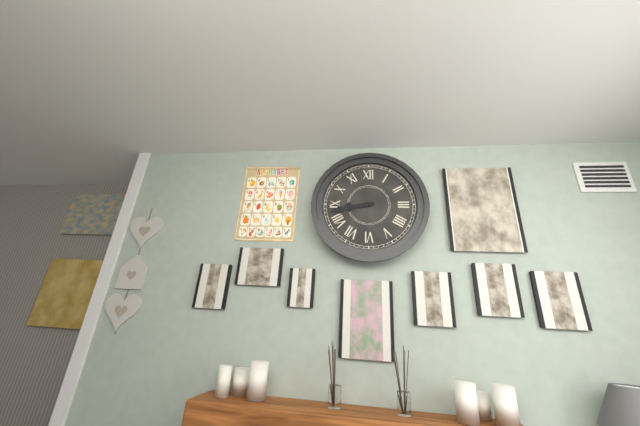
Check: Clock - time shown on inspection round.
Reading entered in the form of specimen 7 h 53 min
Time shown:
8 h 43 min
